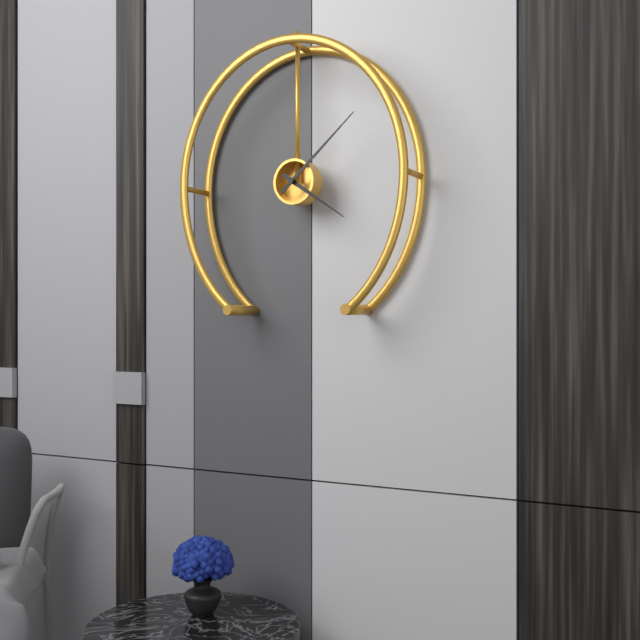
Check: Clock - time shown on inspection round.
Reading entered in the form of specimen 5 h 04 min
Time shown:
4 h 08 min
